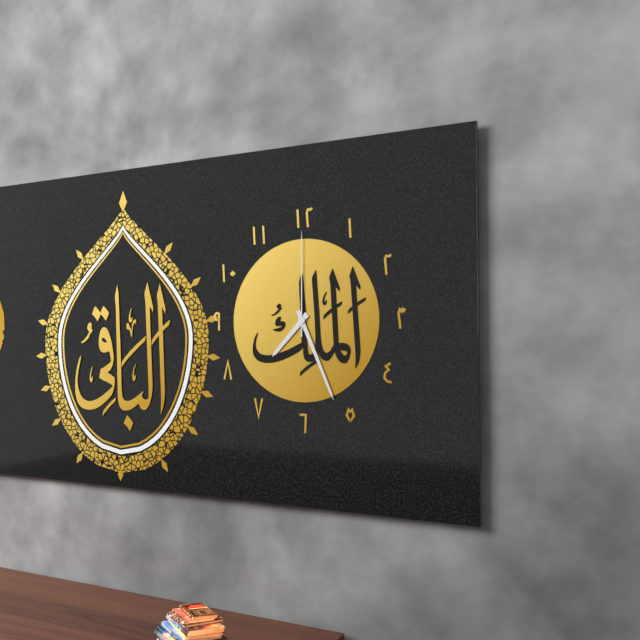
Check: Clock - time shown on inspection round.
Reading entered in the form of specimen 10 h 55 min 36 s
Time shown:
7 h 26 min 00 s
